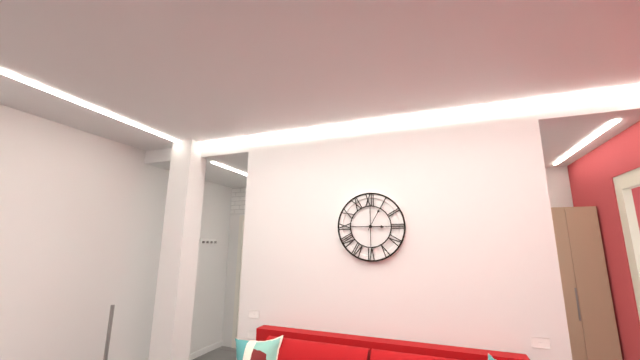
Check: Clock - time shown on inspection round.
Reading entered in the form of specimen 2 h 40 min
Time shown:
3 h 05 min
